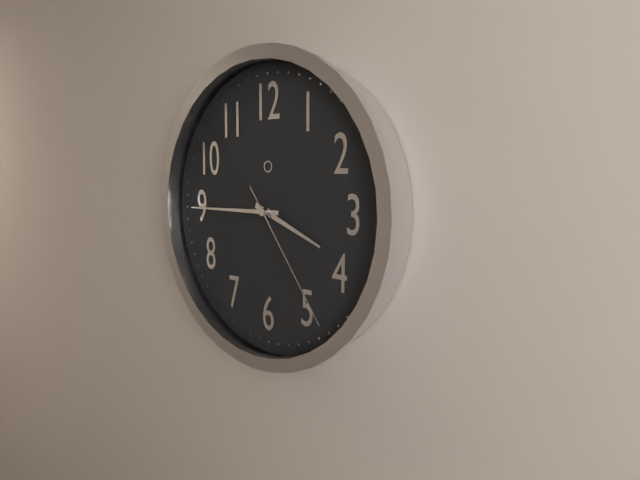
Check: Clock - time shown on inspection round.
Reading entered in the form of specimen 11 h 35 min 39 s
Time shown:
3 h 45 min 24 s
